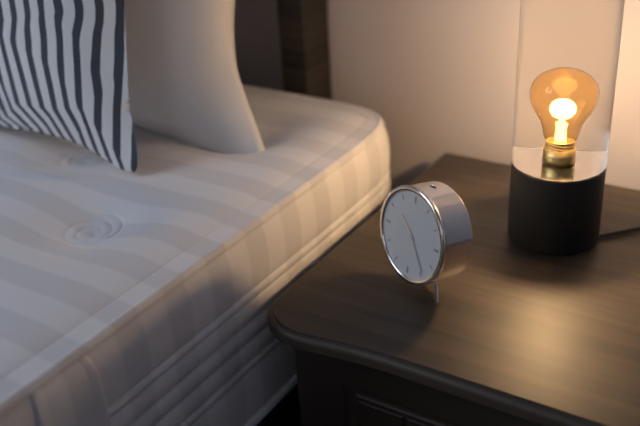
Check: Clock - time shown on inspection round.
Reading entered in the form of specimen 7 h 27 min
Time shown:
10 h 24 min
